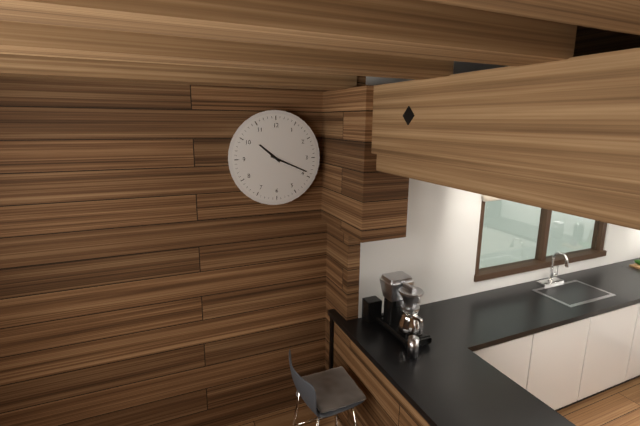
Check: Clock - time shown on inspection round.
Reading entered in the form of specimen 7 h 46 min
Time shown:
10 h 19 min
